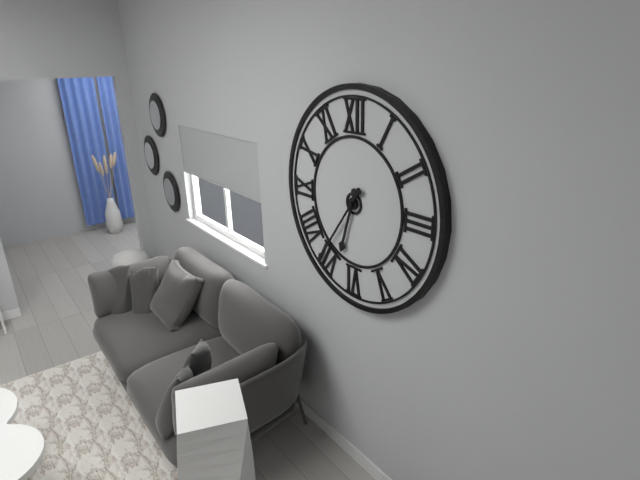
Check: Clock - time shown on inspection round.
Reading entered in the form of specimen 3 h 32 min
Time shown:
6 h 36 min
